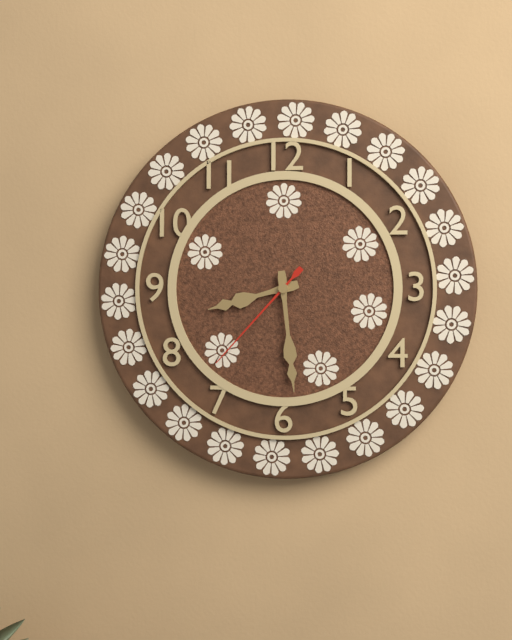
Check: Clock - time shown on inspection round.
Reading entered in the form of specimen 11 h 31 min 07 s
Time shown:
8 h 29 min 37 s
